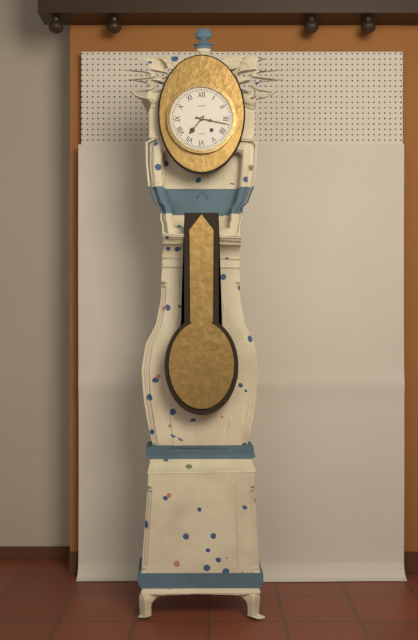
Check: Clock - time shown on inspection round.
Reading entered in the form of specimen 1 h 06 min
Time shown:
7 h 17 min
